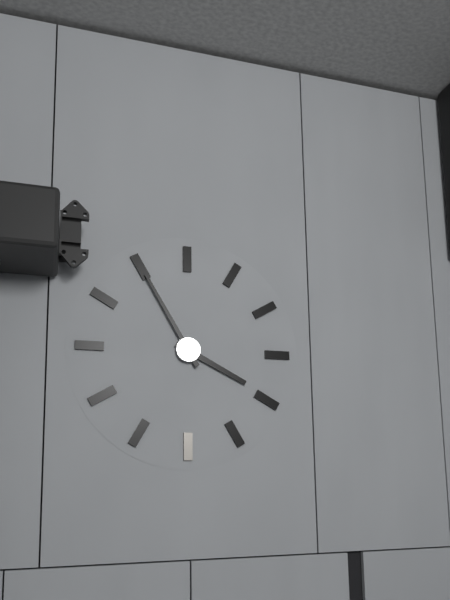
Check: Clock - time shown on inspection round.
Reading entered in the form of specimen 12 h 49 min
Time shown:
3 h 55 min
